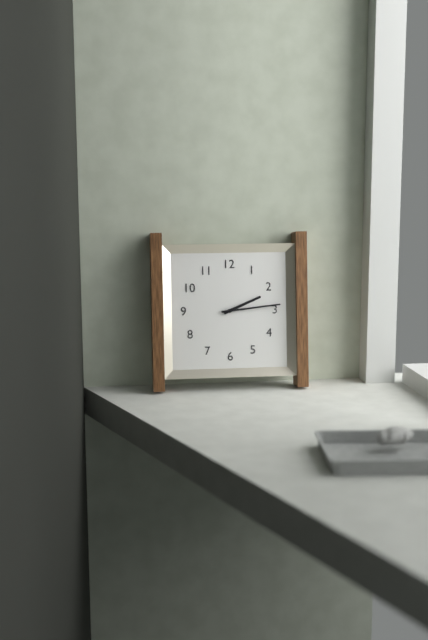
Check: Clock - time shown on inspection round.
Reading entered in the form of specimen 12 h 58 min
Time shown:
2 h 14 min
